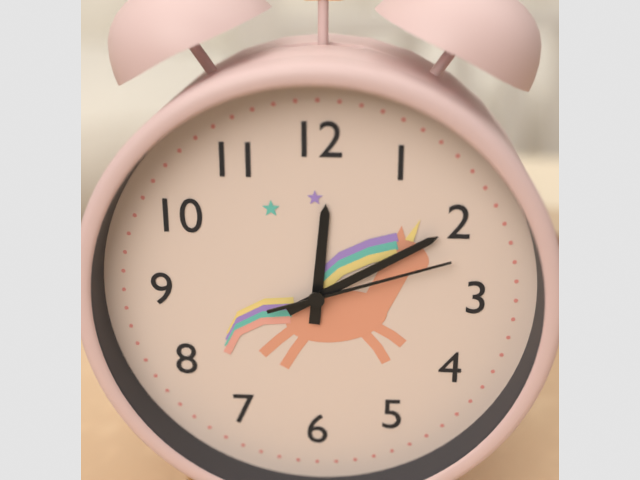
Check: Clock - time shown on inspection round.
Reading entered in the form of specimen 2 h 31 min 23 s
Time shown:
12 h 10 min 12 s
